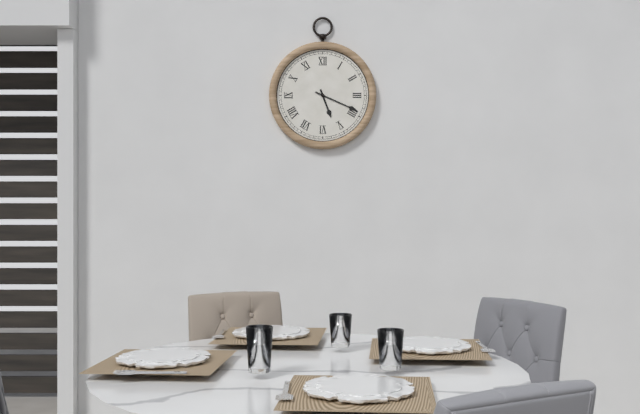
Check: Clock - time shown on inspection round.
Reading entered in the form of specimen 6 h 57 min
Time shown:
5 h 19 min
